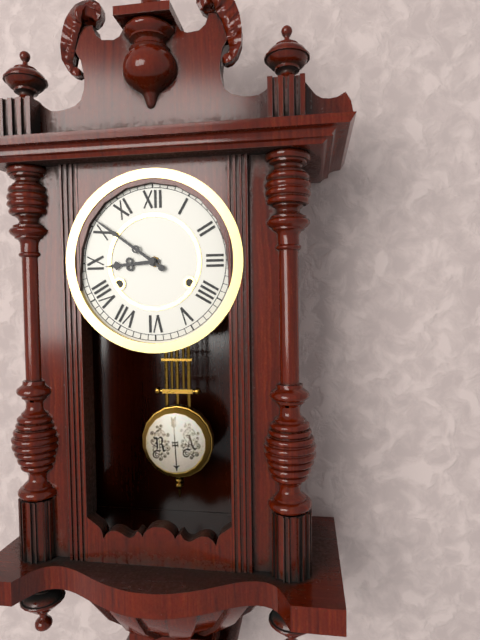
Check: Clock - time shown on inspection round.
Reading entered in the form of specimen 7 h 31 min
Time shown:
8 h 51 min
